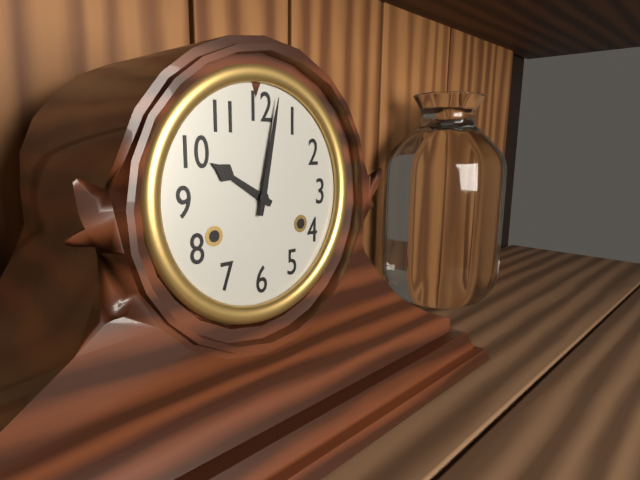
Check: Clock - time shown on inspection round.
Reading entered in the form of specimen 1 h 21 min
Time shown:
10 h 02 min
